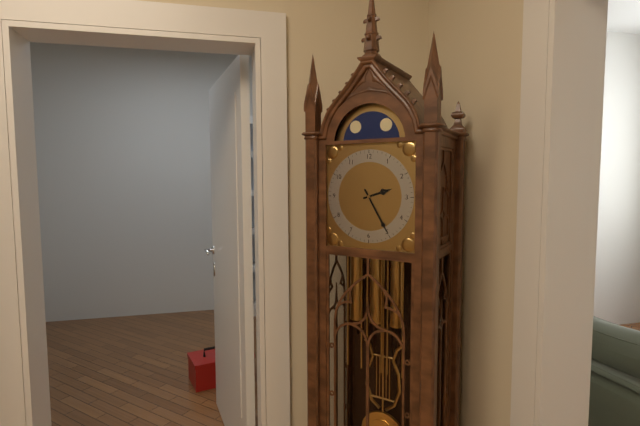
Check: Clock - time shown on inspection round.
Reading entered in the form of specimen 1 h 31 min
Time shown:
2 h 25 min
